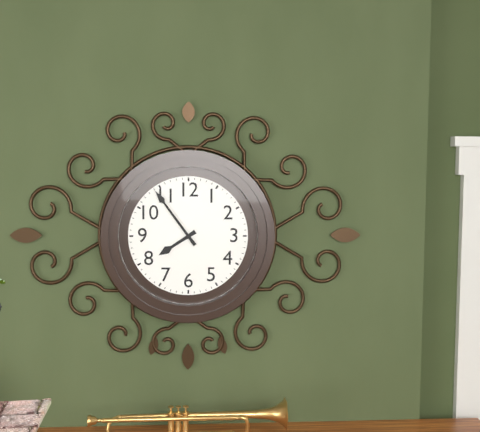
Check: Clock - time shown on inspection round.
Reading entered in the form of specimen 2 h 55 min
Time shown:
7 h 54 min
